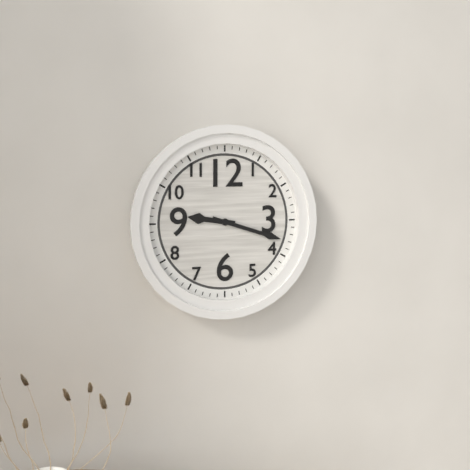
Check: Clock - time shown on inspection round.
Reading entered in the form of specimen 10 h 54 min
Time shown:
9 h 18 min
